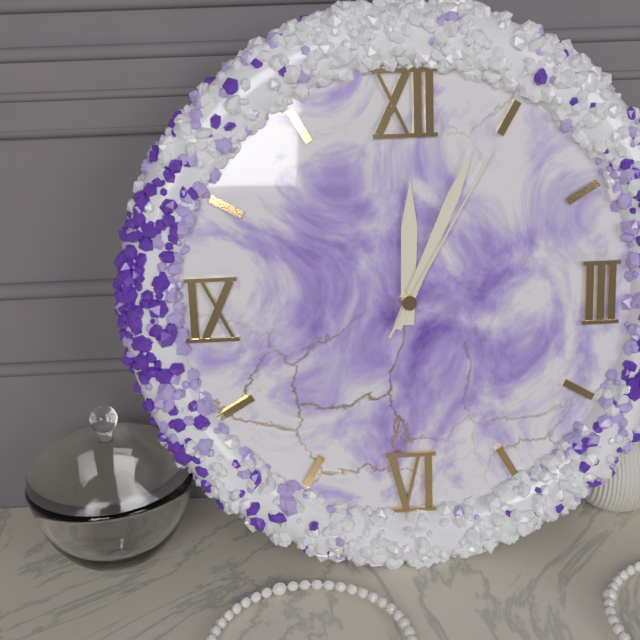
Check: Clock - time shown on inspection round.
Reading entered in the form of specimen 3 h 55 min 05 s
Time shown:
12 h 04 min 05 s
